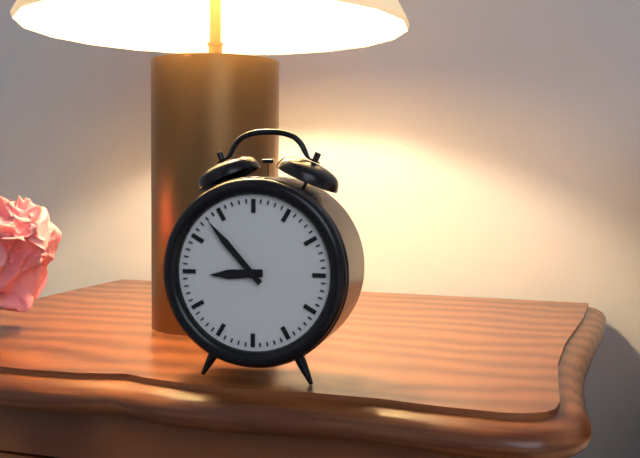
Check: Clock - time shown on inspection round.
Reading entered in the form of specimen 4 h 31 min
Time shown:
8 h 53 min
